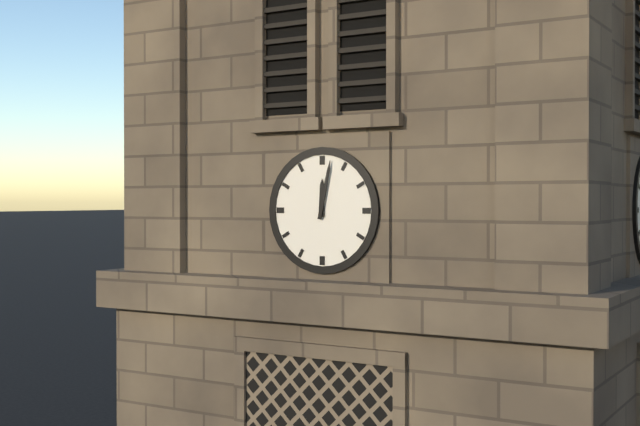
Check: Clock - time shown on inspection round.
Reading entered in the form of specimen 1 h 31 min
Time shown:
12 h 02 min
